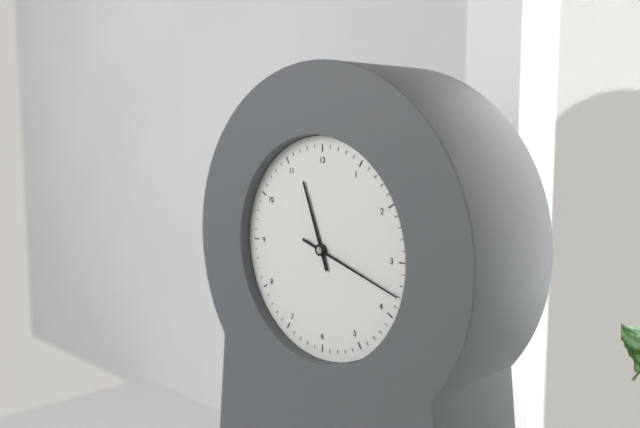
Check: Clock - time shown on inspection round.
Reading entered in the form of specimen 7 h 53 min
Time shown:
11 h 18 min
